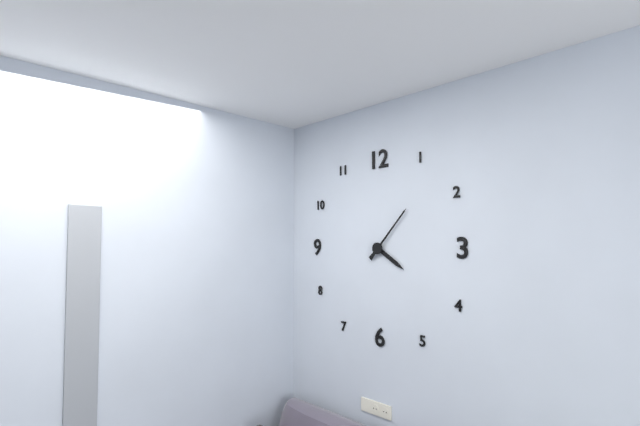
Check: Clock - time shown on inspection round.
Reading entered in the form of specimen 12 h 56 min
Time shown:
4 h 07 min
